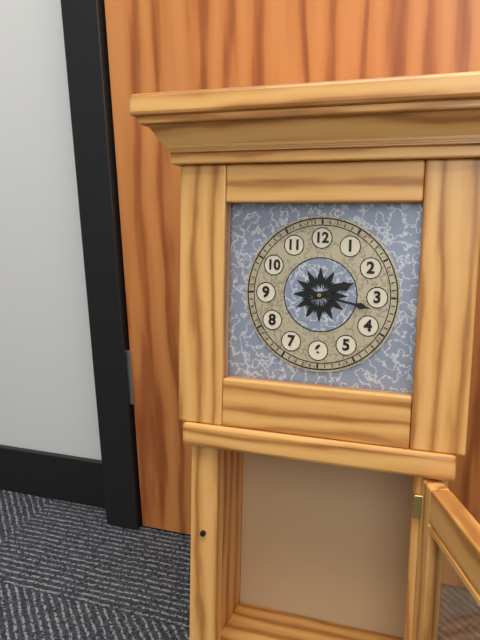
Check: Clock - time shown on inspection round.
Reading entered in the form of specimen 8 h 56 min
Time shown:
2 h 17 min
